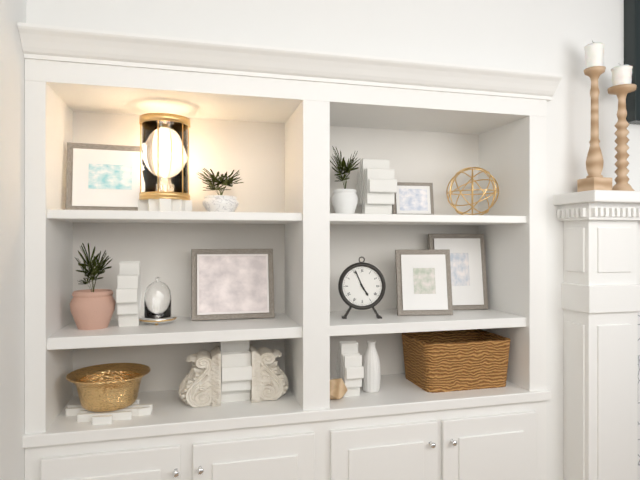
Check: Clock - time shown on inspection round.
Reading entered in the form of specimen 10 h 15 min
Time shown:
4 h 56 min
